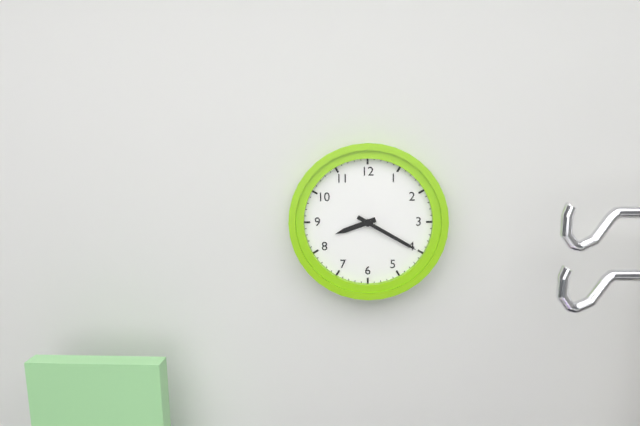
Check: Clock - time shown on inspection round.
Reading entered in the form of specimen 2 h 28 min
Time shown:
8 h 20 min
